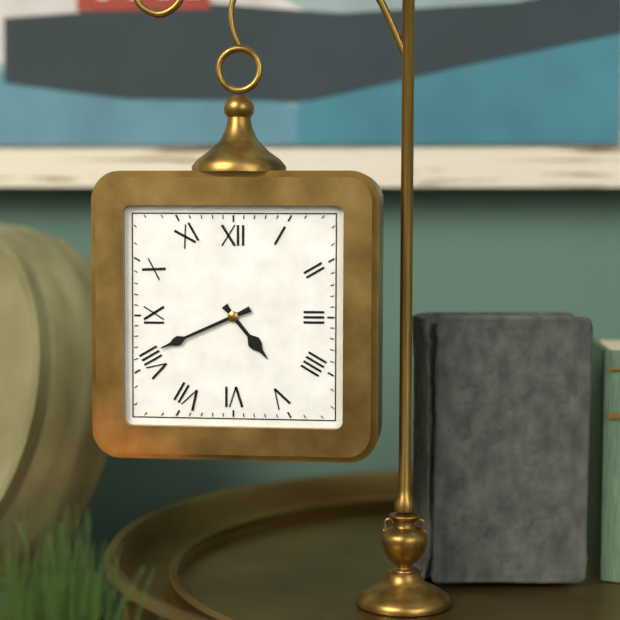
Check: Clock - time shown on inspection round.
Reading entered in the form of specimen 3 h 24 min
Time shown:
4 h 41 min
